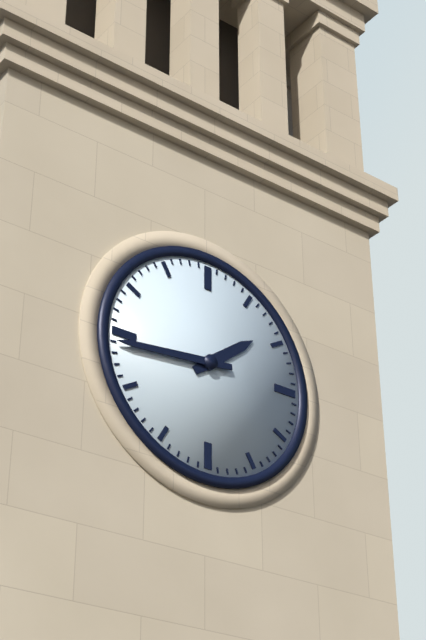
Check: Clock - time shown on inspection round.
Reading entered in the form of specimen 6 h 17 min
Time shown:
1 h 44 min
